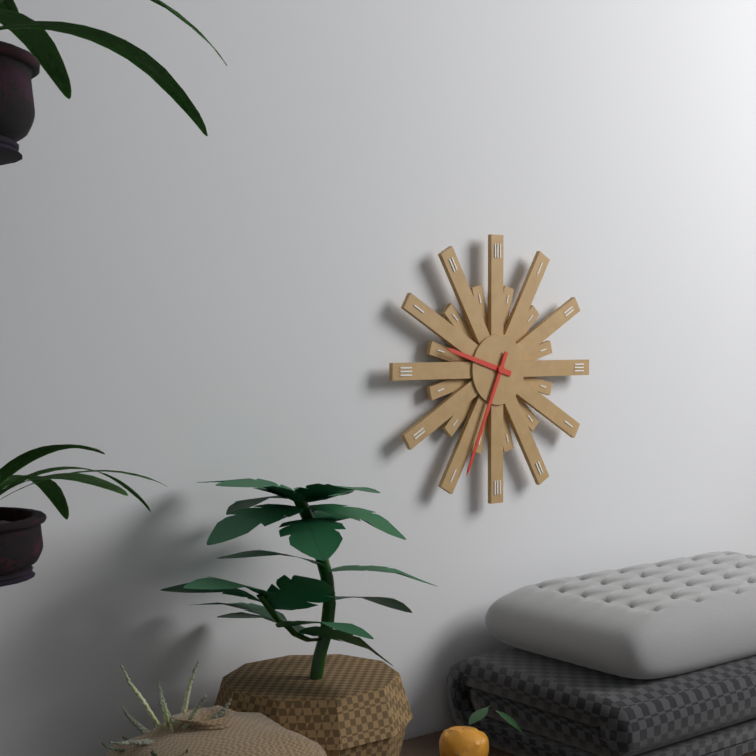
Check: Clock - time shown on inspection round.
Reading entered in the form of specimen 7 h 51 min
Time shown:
9 h 34 min
